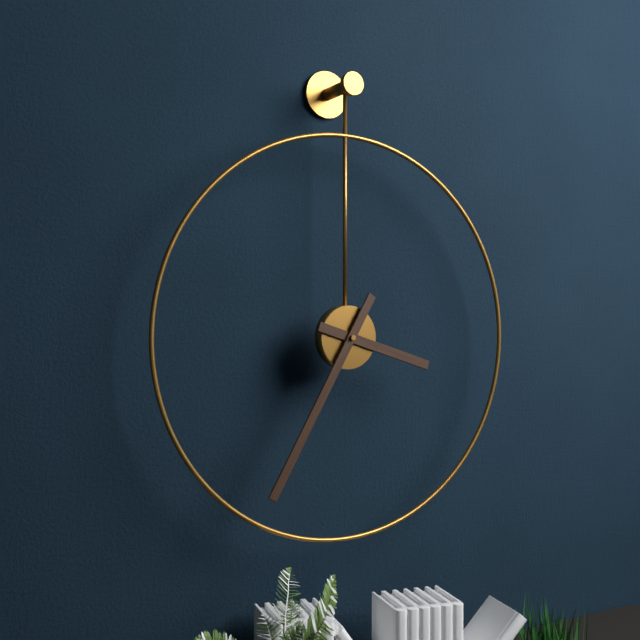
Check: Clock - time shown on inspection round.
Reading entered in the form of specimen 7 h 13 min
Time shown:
3 h 35 min
